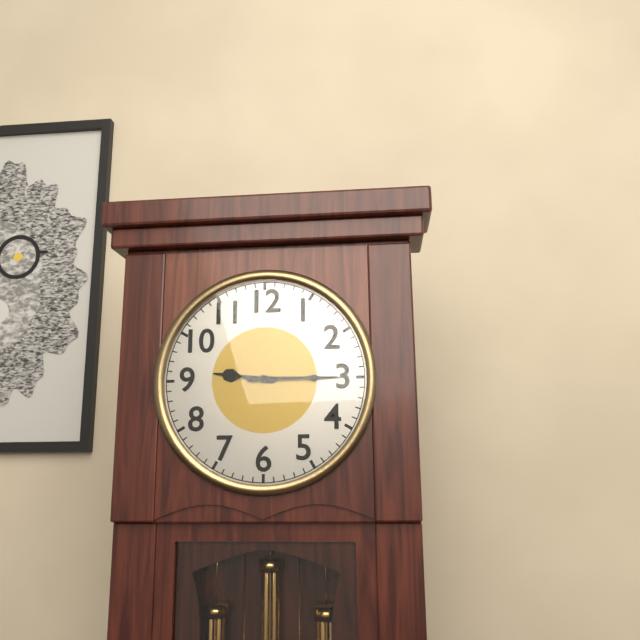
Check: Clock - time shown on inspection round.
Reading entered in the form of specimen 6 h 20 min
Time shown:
9 h 15 min
